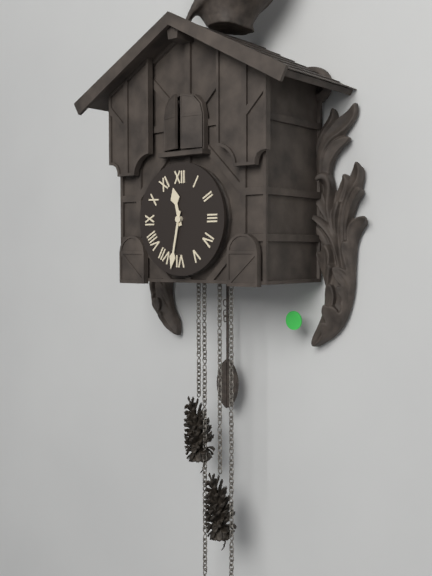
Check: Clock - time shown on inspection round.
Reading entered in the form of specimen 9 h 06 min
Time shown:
11 h 32 min
